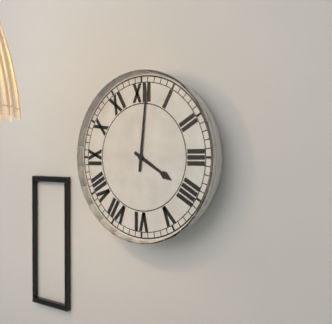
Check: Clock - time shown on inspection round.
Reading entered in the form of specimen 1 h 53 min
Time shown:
4 h 01 min
